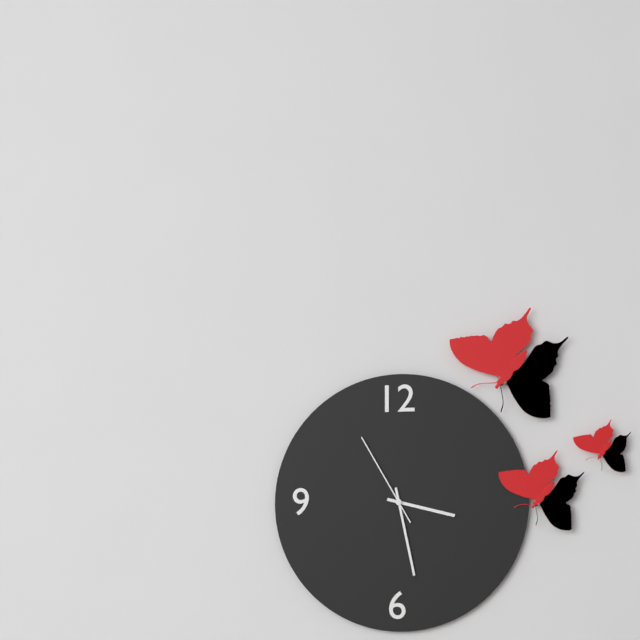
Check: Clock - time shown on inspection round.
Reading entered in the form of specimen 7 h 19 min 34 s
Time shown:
3 h 28 min 55 s
